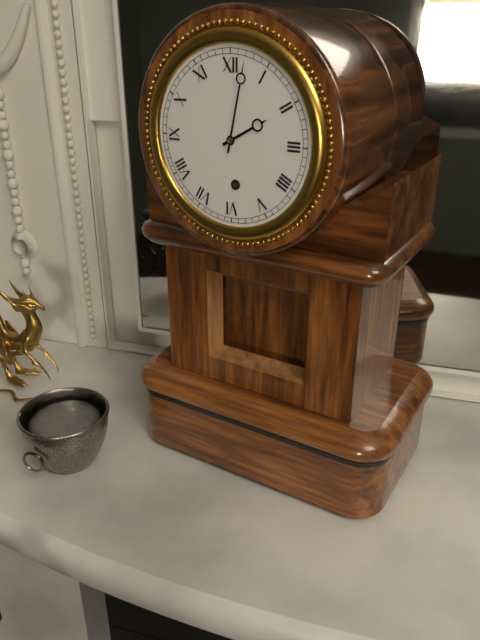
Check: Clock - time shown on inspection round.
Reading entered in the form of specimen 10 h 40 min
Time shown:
2 h 02 min
